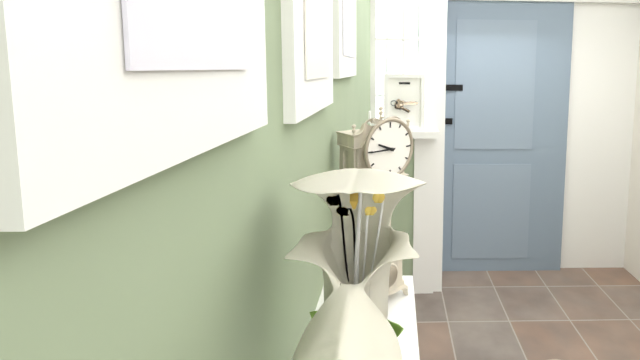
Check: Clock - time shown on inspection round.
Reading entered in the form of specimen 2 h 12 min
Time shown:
9 h 45 min
